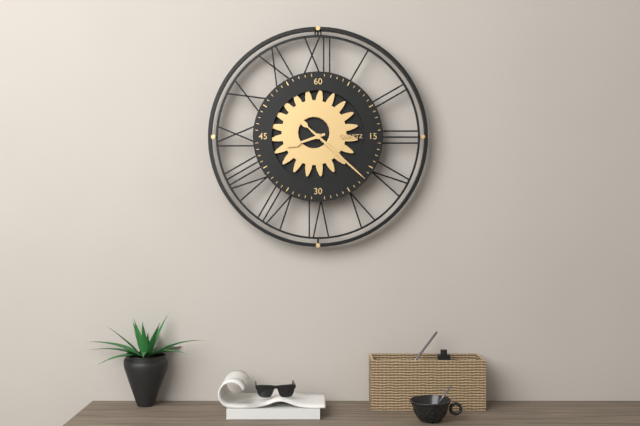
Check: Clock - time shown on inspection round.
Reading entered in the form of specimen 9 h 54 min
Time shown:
8 h 22 min
